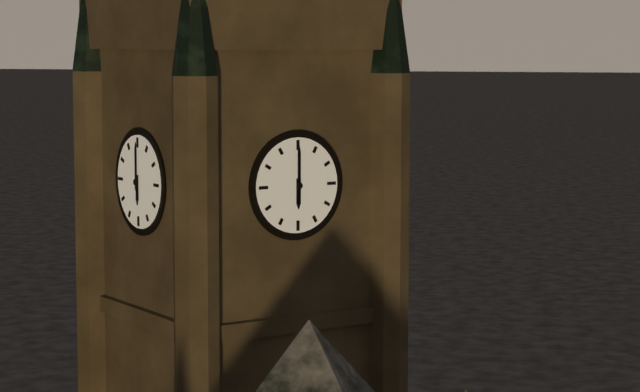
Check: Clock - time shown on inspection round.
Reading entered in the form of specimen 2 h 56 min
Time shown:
6 h 00 min
